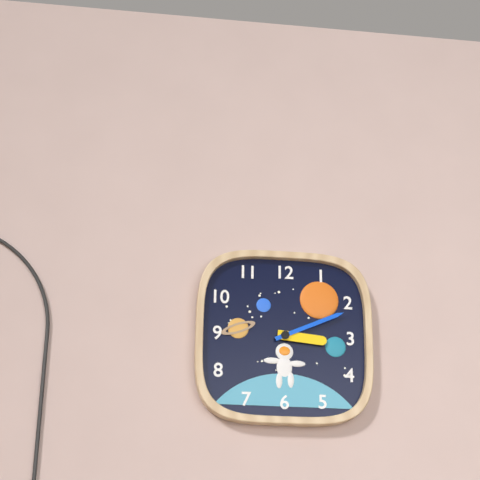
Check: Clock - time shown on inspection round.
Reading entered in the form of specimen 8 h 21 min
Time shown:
3 h 11 min
